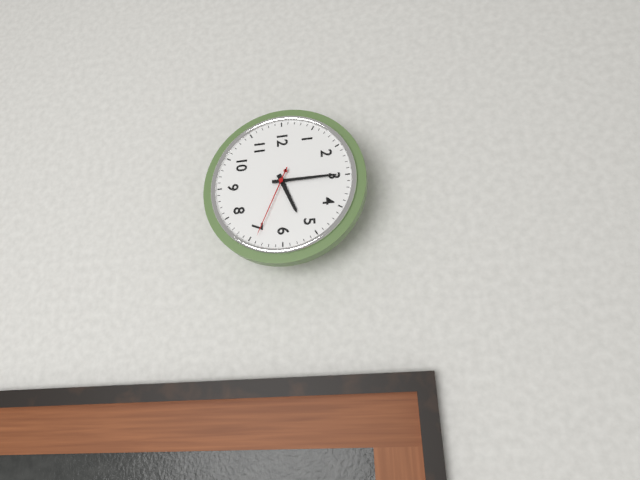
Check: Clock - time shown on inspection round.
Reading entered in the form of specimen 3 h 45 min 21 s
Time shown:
5 h 15 min 34 s
